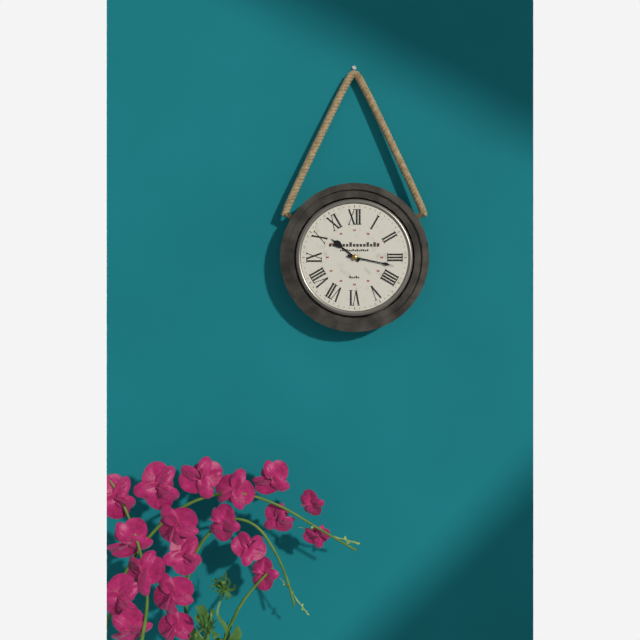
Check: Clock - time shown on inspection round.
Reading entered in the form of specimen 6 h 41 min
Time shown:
10 h 17 min
